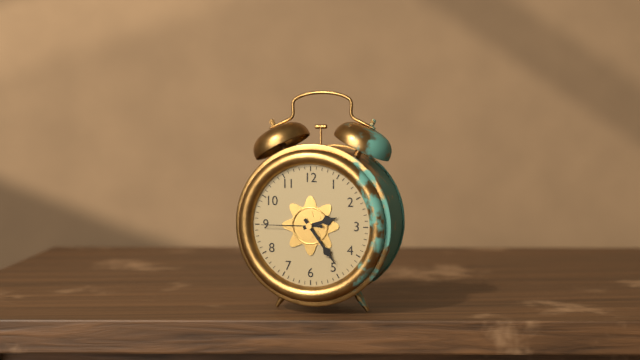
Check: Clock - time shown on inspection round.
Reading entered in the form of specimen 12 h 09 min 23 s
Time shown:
2 h 24 min 45 s
